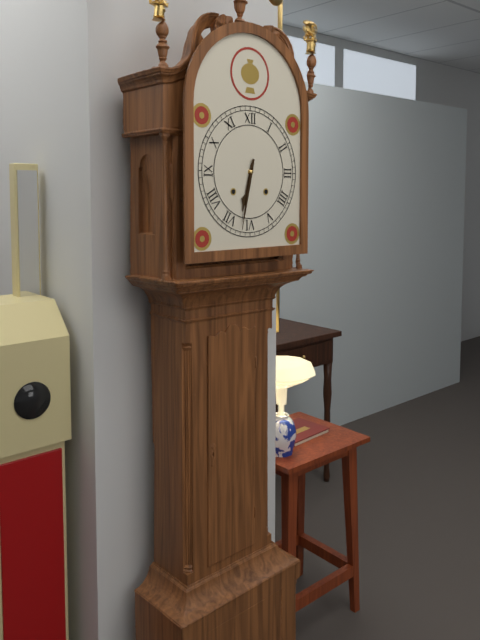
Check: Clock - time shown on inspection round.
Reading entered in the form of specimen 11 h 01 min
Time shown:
6 h 32 min
